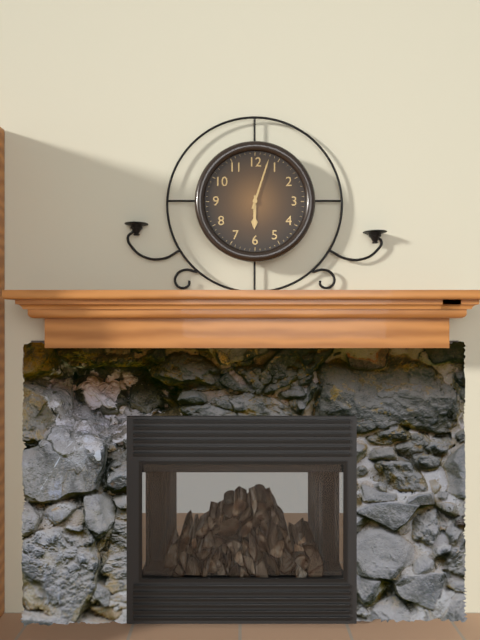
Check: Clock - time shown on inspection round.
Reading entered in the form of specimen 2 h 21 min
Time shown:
6 h 03 min
